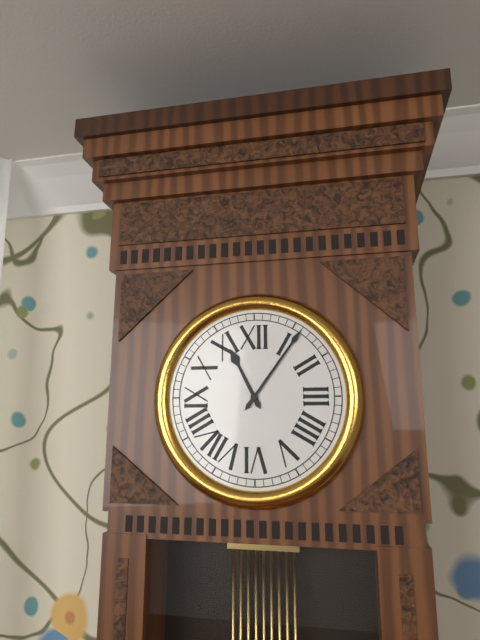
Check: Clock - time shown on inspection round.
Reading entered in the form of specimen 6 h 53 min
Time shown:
11 h 06 min
